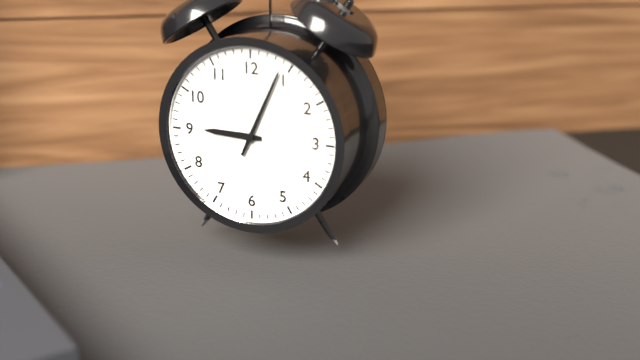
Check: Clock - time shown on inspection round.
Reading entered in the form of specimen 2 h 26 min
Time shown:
9 h 04 min
